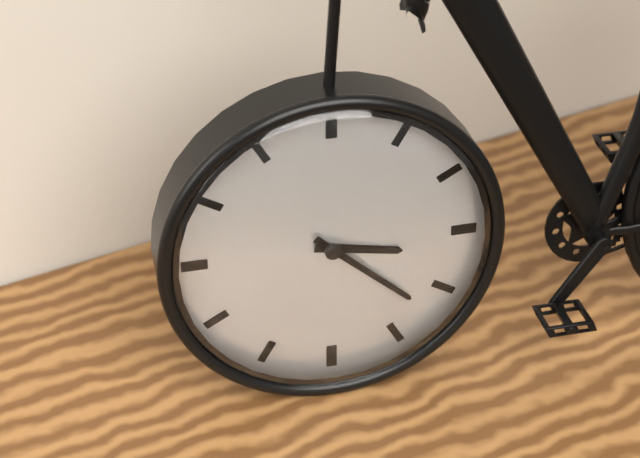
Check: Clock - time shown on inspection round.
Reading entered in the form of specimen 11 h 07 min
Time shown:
3 h 22 min
